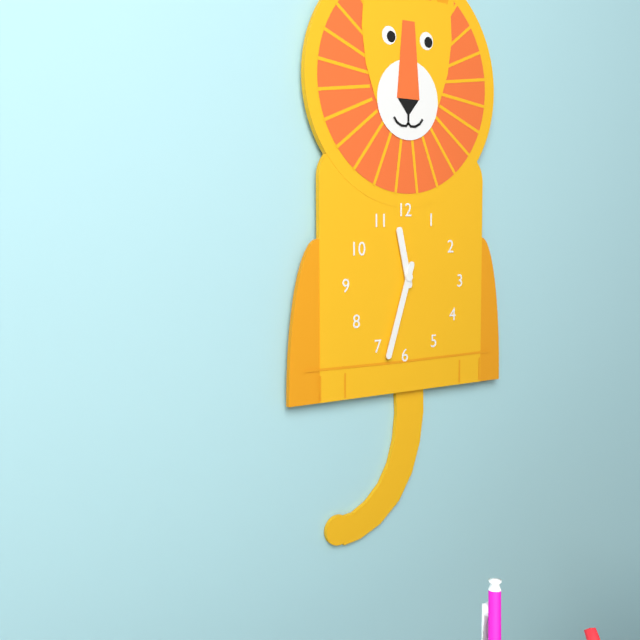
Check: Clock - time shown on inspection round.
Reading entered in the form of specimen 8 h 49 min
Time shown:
11 h 33 min
